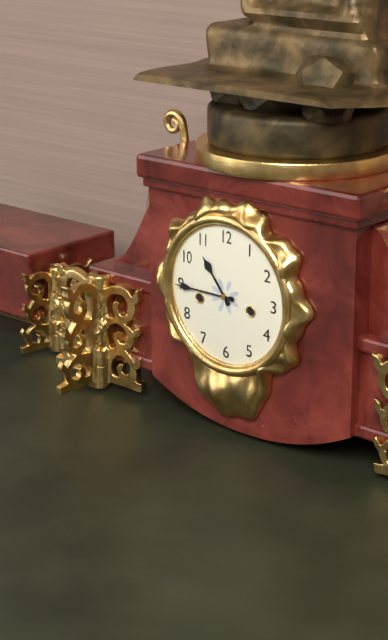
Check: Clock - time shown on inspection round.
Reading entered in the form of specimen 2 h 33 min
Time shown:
10 h 45 min
